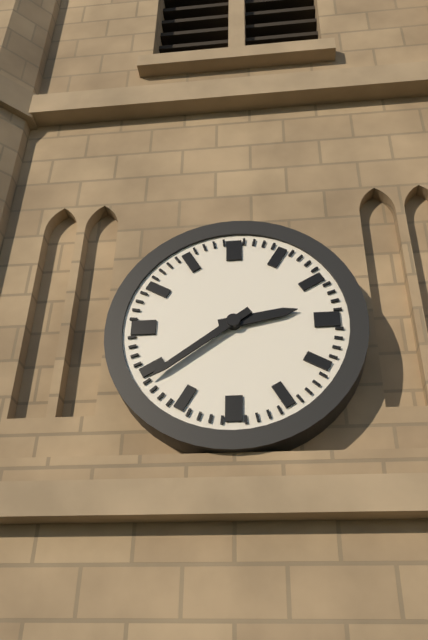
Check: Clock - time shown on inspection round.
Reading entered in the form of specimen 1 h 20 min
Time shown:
2 h 39 min
